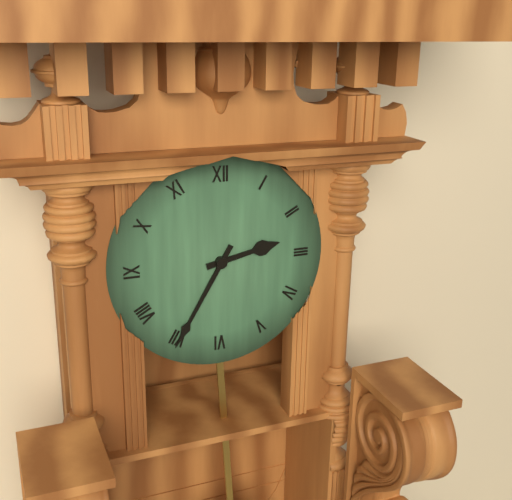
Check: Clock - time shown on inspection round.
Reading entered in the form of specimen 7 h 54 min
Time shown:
2 h 35 min
